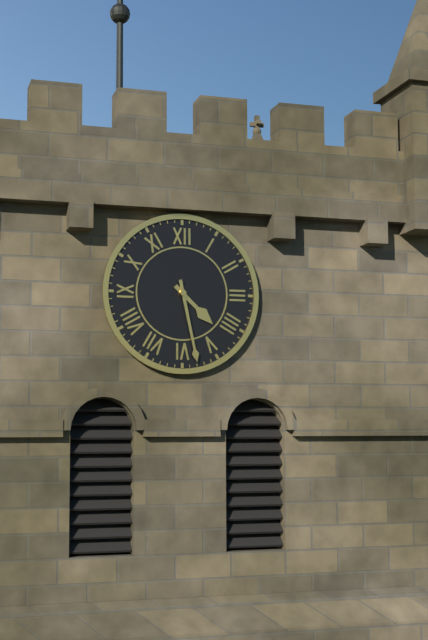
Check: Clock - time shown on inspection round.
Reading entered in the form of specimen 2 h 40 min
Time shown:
4 h 28 min
